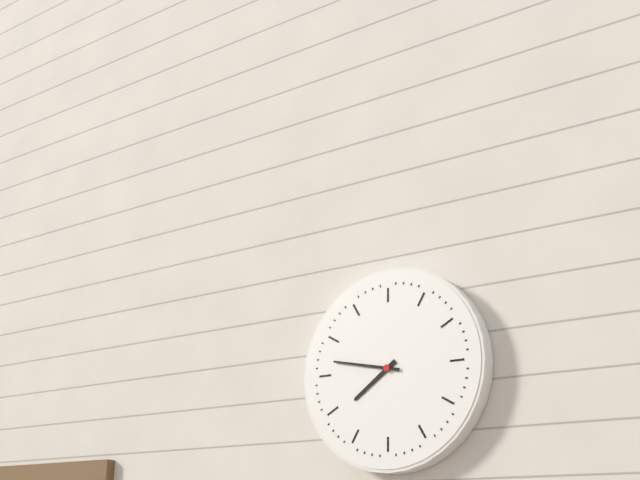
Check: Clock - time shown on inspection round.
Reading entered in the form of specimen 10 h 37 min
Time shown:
7 h 47 min
